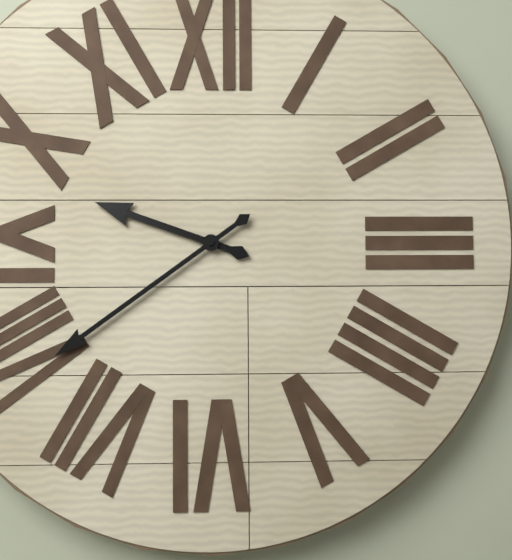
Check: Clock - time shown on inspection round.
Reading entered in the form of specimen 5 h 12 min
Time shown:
9 h 39 min
